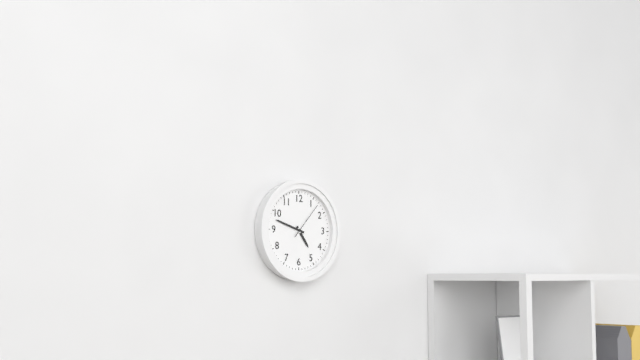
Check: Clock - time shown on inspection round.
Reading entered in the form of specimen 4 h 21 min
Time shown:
4 h 48 min
